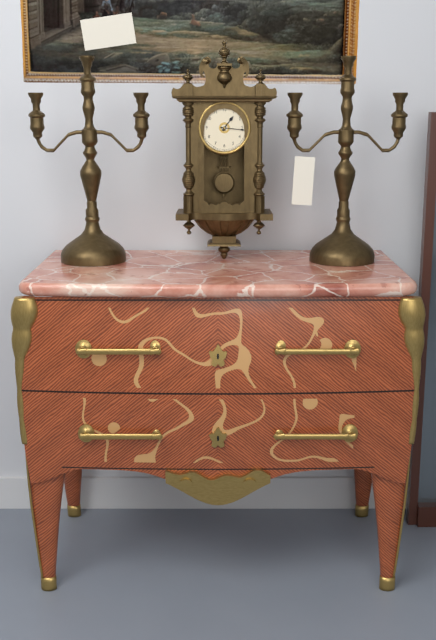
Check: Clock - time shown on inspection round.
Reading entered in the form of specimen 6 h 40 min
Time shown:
1 h 16 min
